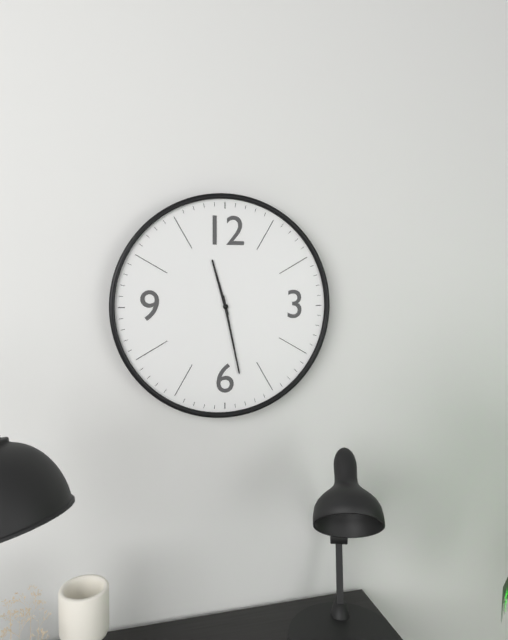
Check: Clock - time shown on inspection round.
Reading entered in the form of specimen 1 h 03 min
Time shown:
11 h 28 min
